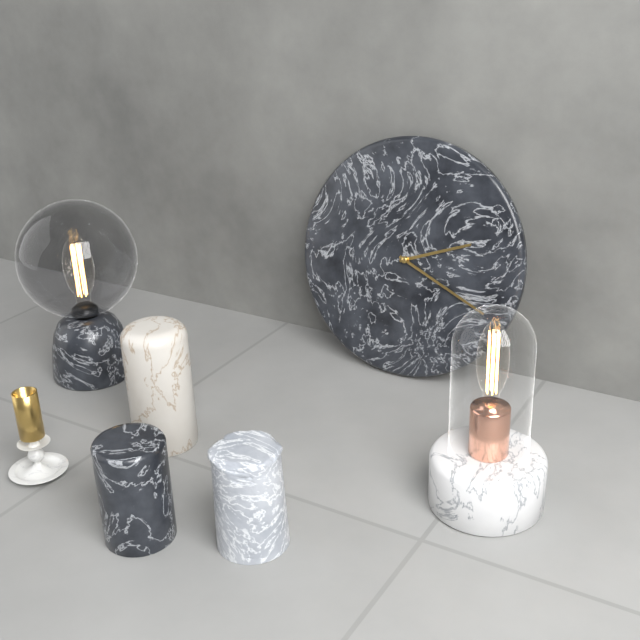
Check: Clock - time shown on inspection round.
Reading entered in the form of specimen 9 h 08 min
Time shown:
2 h 19 min
